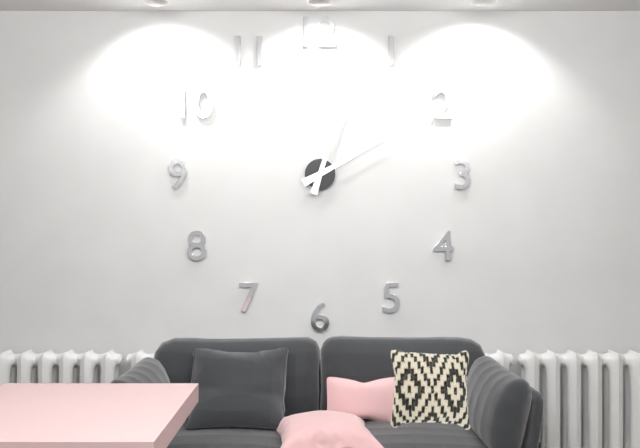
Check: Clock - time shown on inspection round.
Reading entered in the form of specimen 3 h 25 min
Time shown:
2 h 03 min
